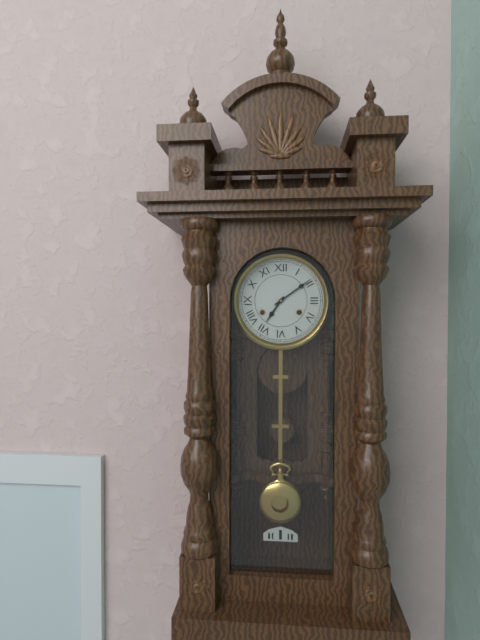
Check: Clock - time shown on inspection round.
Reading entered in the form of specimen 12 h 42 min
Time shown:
7 h 09 min
